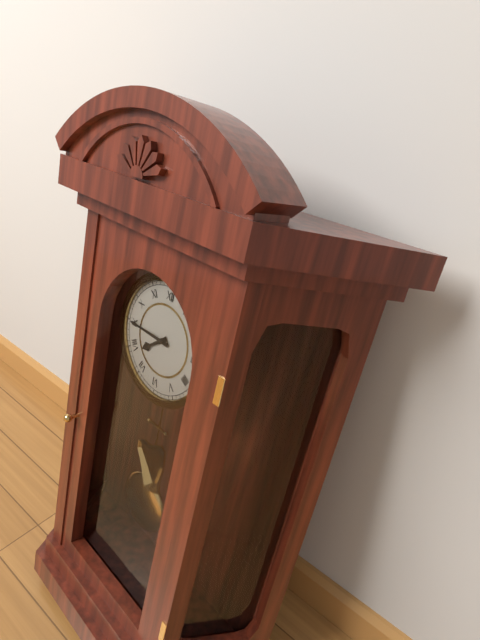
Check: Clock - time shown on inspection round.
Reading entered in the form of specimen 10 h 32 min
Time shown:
7 h 45 min
